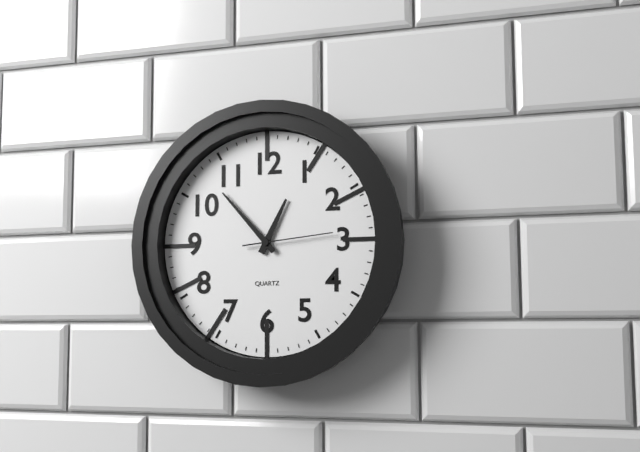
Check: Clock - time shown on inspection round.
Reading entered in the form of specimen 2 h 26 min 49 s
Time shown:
12 h 53 min 14 s
